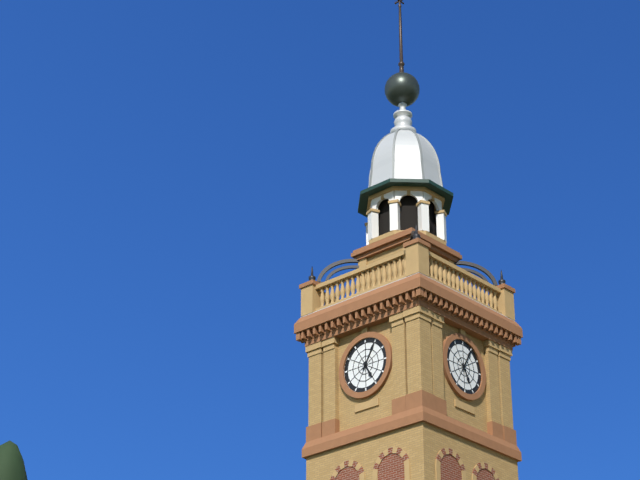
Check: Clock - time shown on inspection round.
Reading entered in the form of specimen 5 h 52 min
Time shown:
5 h 05 min
